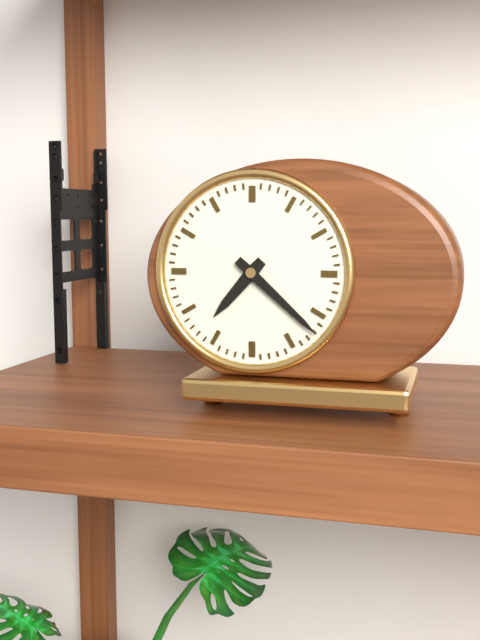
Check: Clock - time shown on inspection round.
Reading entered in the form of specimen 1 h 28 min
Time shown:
7 h 22 min
